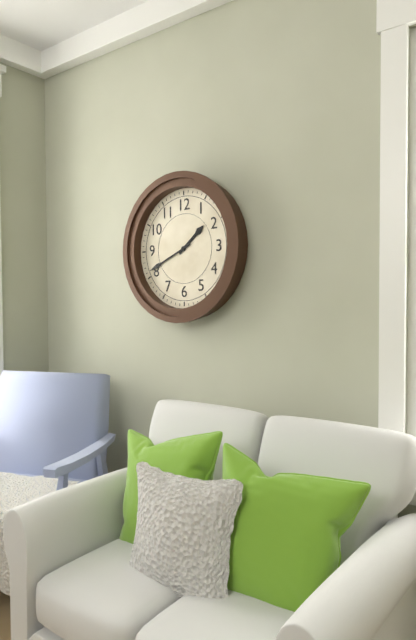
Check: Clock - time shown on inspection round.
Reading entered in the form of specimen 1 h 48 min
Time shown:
1 h 41 min
